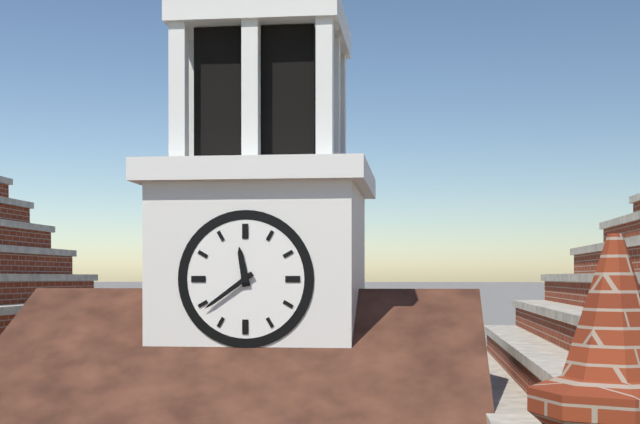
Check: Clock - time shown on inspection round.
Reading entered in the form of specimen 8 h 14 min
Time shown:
11 h 39 min
